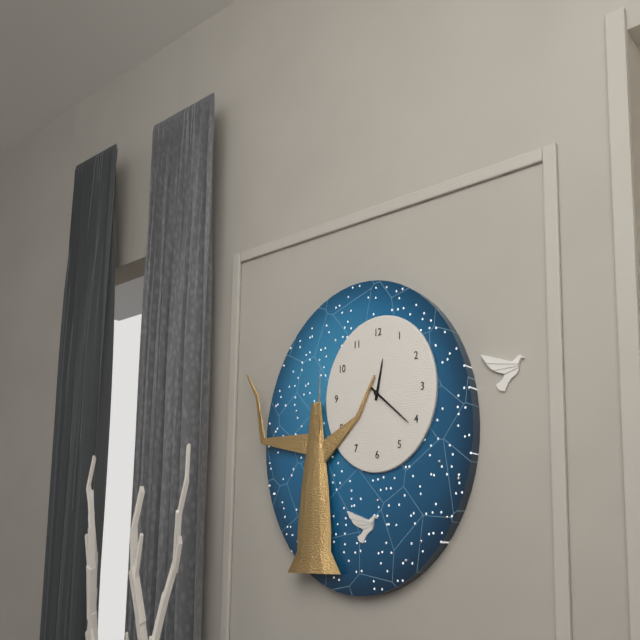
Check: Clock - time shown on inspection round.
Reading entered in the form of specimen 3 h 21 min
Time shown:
12 h 22 min
